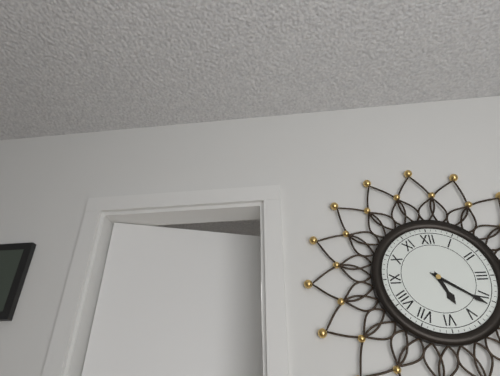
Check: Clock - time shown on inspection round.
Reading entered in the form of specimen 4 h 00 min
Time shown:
5 h 21 min
